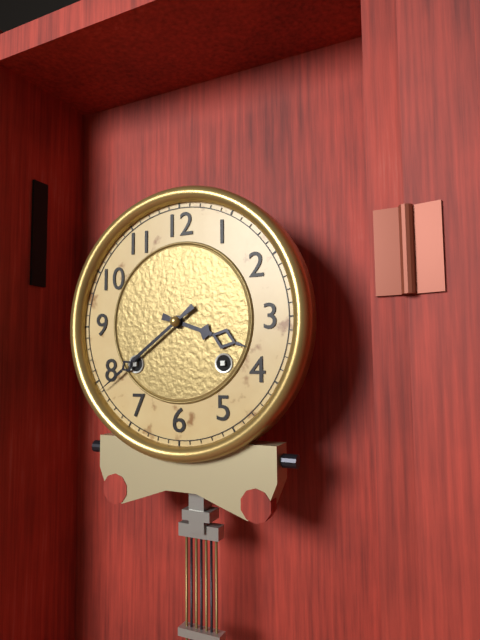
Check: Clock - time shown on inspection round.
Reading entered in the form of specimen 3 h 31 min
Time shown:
3 h 39 min
